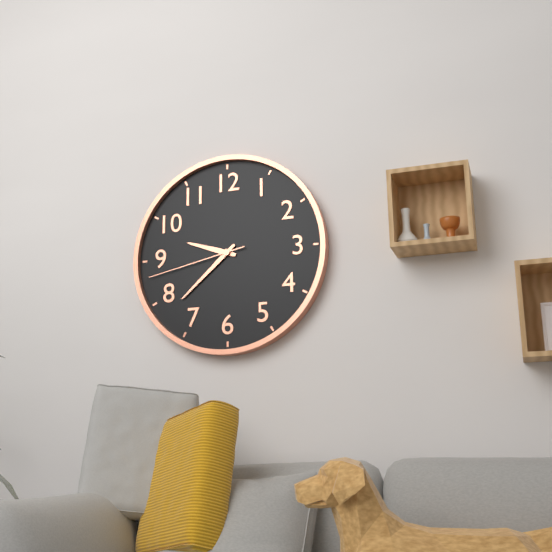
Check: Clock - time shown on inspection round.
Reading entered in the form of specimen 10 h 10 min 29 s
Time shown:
9 h 38 min 43 s
